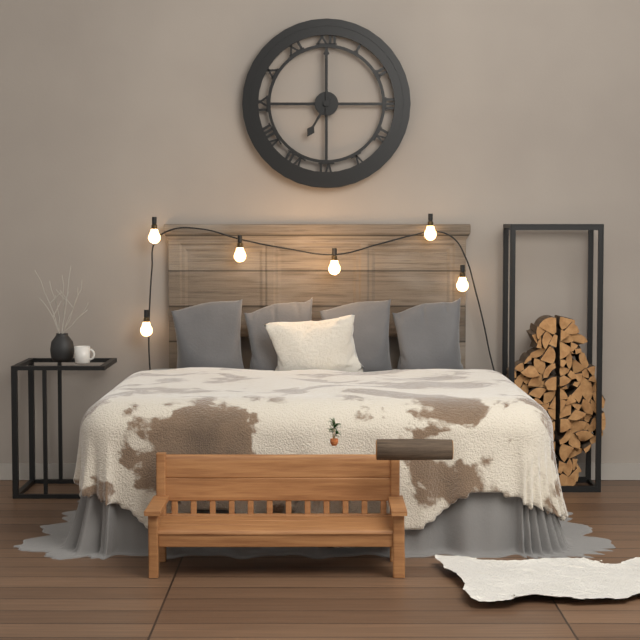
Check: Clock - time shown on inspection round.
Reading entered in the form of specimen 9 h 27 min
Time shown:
7 h 00 min
